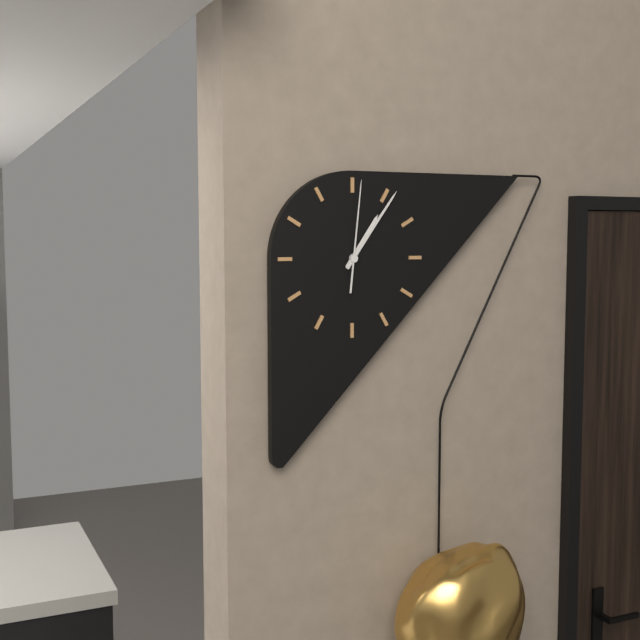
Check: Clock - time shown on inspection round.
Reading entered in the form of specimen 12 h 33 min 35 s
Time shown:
1 h 06 min 01 s
